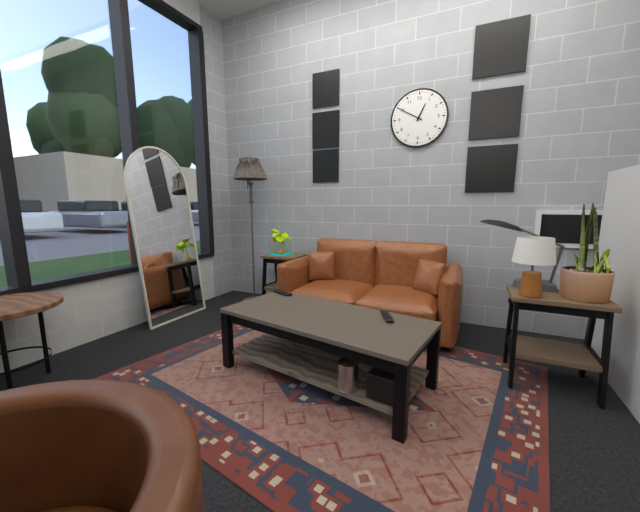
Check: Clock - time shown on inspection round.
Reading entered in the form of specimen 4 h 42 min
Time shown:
12 h 50 min
